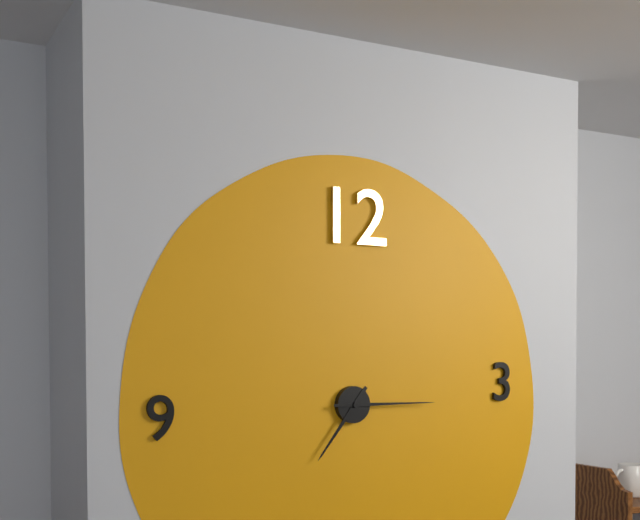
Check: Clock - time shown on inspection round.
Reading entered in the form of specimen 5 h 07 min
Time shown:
7 h 15 min
